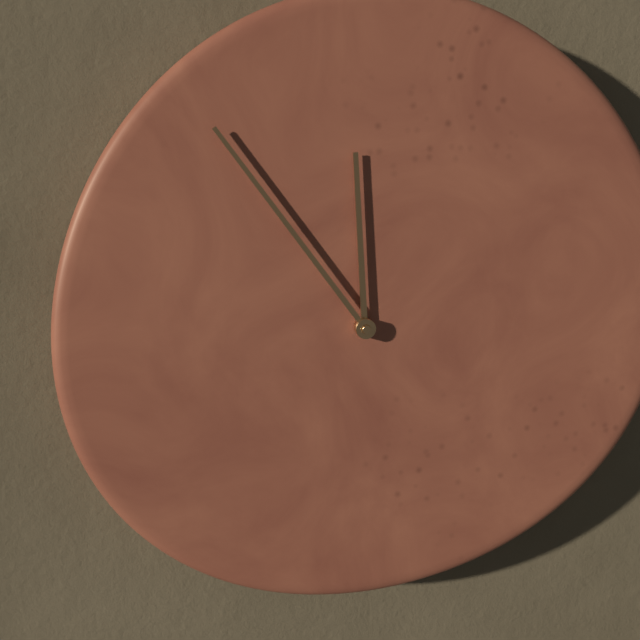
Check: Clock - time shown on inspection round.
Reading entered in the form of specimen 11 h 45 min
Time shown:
11 h 54 min
